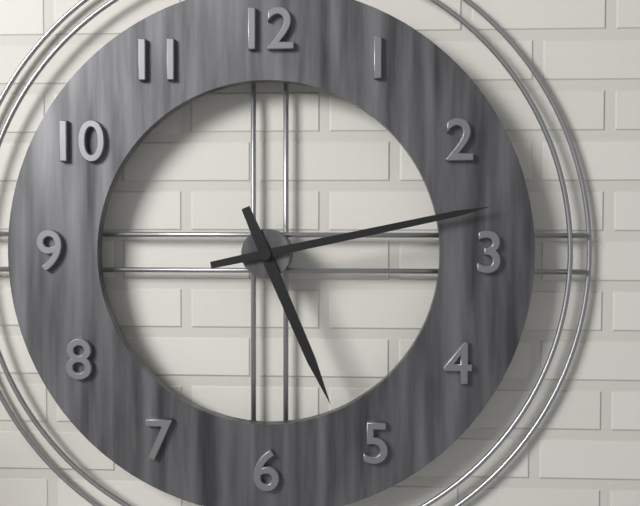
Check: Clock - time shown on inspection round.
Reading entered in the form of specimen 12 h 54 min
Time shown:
5 h 13 min
